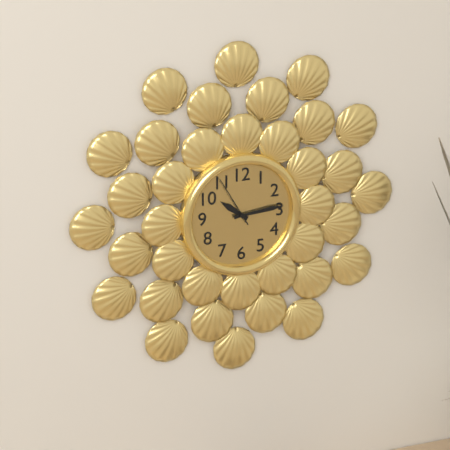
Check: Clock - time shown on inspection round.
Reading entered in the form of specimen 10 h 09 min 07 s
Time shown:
10 h 14 min 55 s
